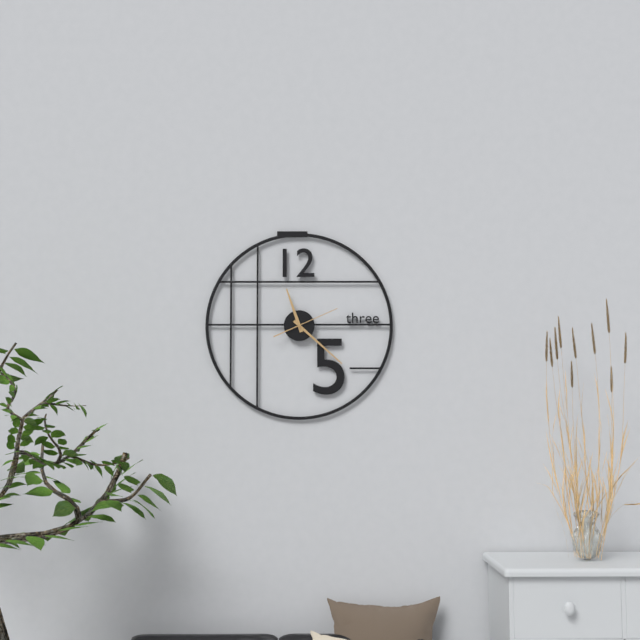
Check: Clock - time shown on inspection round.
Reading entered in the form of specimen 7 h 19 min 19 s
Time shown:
11 h 22 min 11 s
